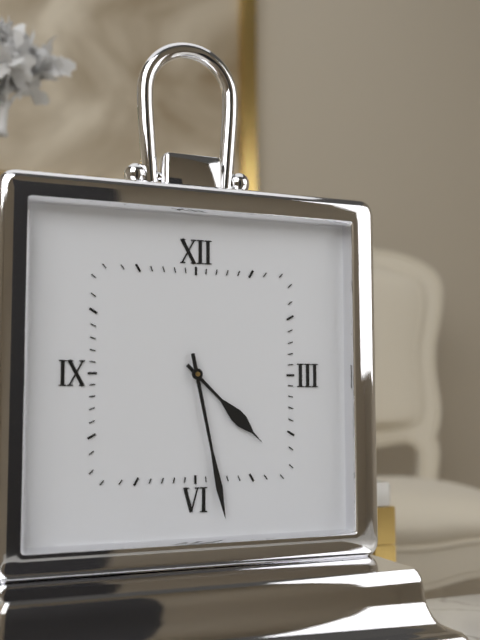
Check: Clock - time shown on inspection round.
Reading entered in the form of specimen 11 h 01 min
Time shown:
4 h 28 min
